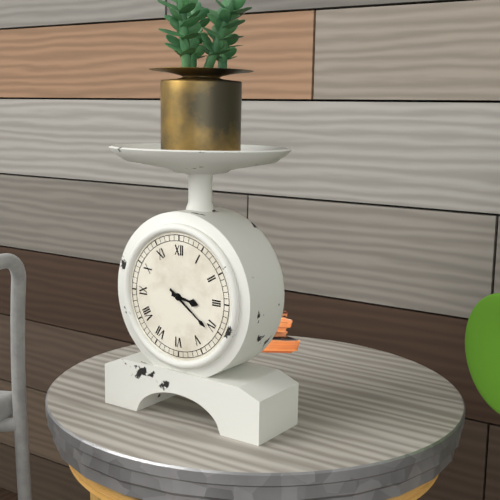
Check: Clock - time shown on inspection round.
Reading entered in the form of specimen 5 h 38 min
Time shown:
3 h 21 min
